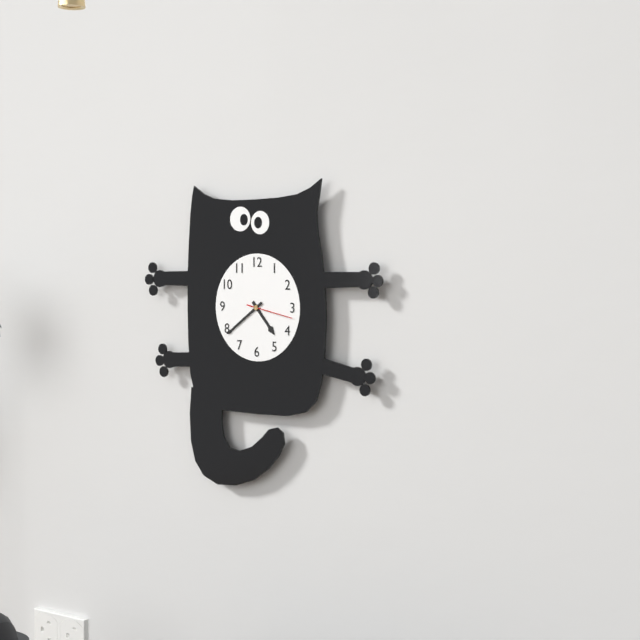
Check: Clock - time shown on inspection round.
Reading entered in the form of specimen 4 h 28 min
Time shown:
4 h 39 min
